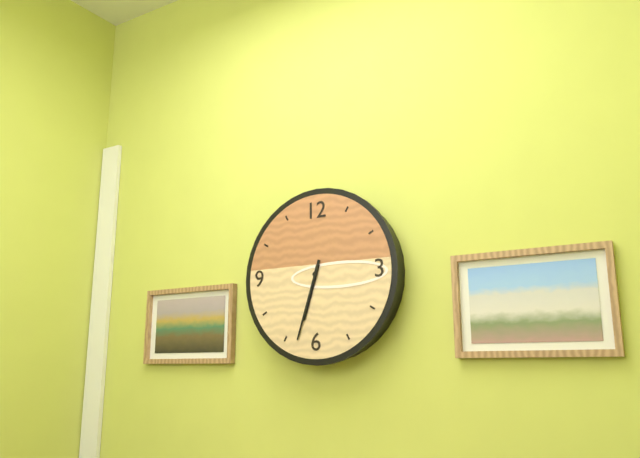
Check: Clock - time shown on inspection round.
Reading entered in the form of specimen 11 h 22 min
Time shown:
6 h 33 min
